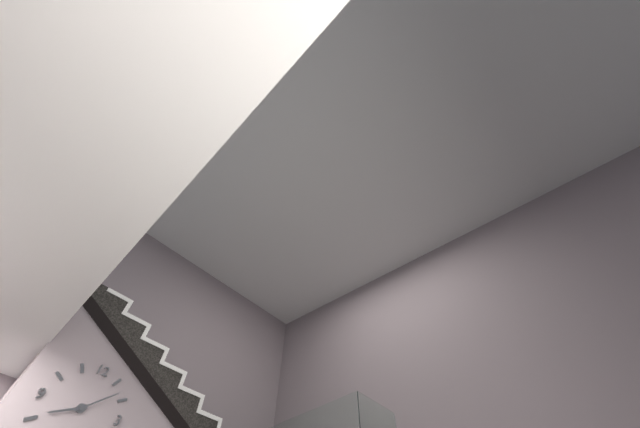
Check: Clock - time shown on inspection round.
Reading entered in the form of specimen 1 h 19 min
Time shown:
8 h 08 min
